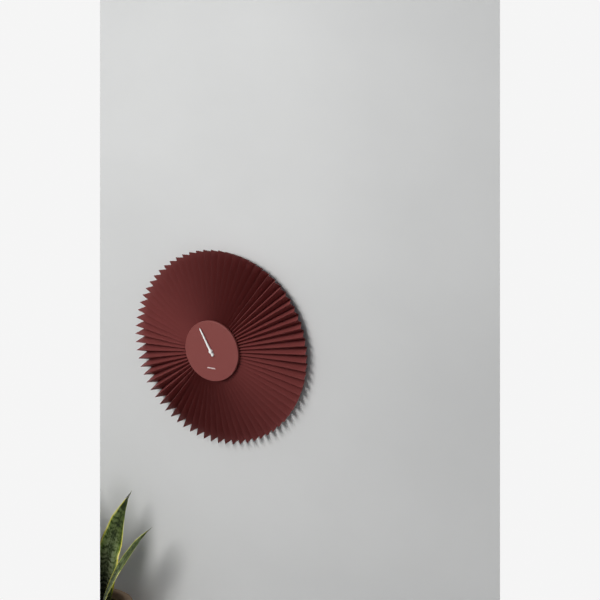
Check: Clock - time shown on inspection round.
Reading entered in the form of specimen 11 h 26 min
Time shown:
10 h 55 min
